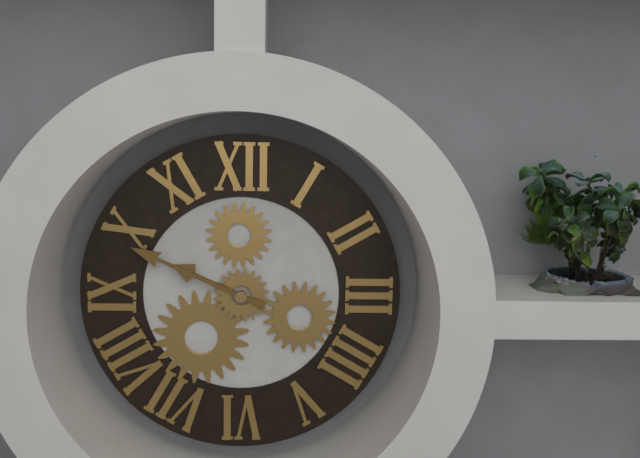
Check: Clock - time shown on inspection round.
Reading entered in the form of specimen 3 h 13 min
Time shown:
9 h 49 min
